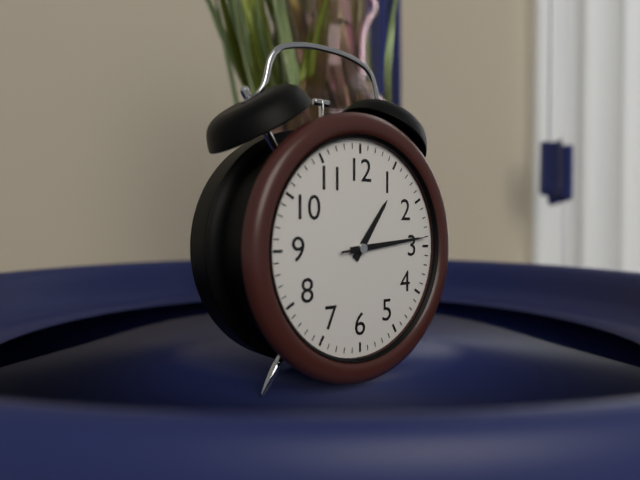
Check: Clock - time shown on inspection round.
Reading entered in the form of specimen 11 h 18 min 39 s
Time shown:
1 h 14 min 14 s
